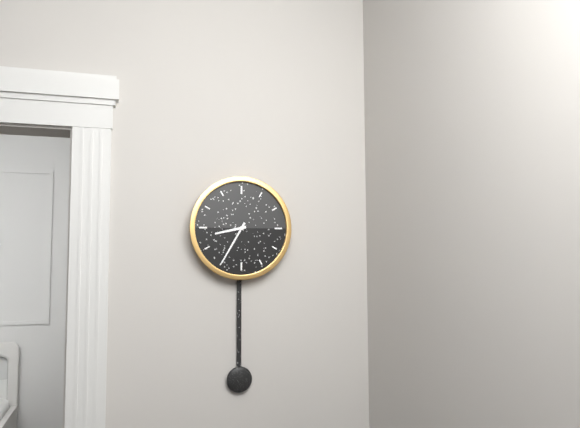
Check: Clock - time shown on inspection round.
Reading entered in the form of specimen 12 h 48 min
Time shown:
8 h 35 min
